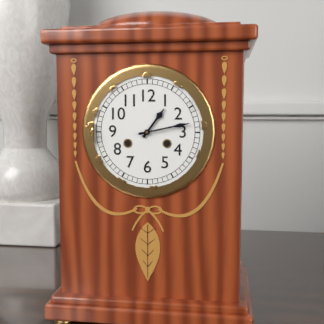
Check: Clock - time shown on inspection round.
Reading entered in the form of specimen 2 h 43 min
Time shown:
1 h 13 min
